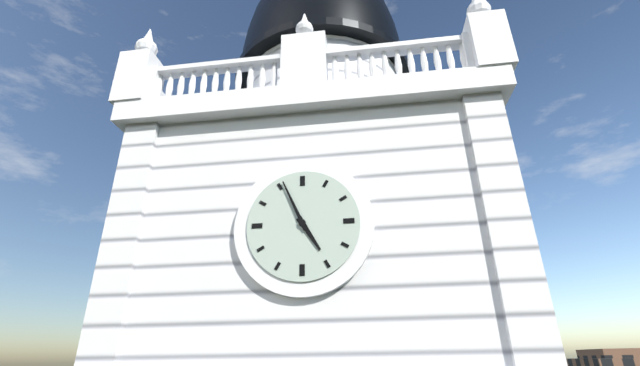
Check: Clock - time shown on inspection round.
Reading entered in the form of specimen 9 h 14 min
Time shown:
4 h 56 min
